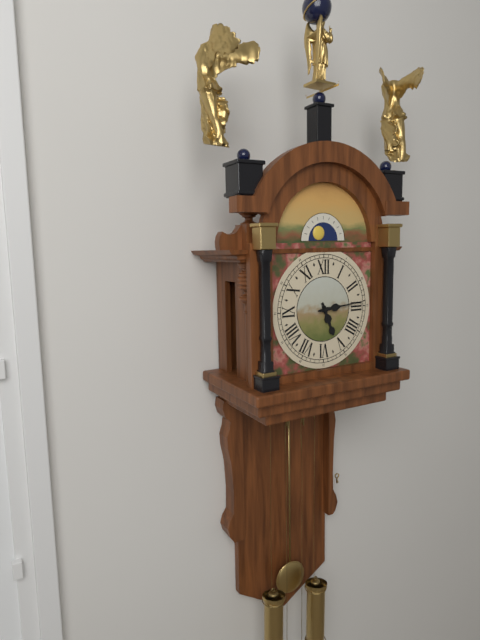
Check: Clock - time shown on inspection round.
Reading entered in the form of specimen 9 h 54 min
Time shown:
5 h 14 min
